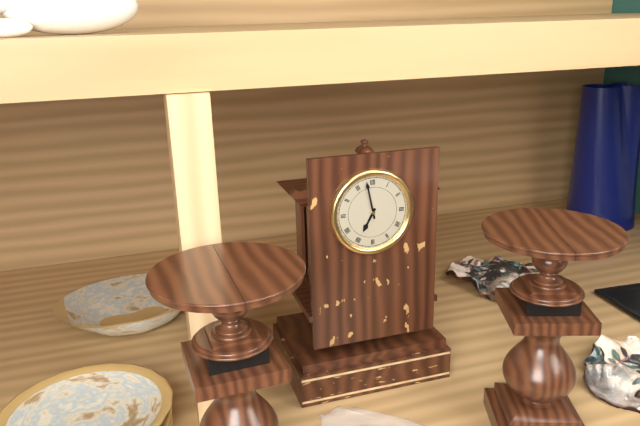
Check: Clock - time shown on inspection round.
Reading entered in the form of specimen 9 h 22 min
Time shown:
6 h 58 min
